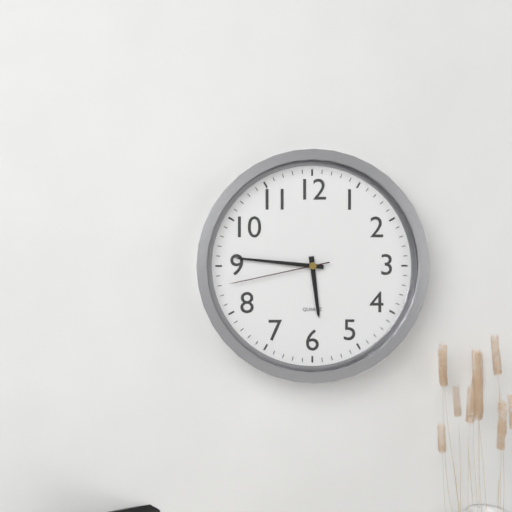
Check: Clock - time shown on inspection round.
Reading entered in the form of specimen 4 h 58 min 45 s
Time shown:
5 h 46 min 43 s
